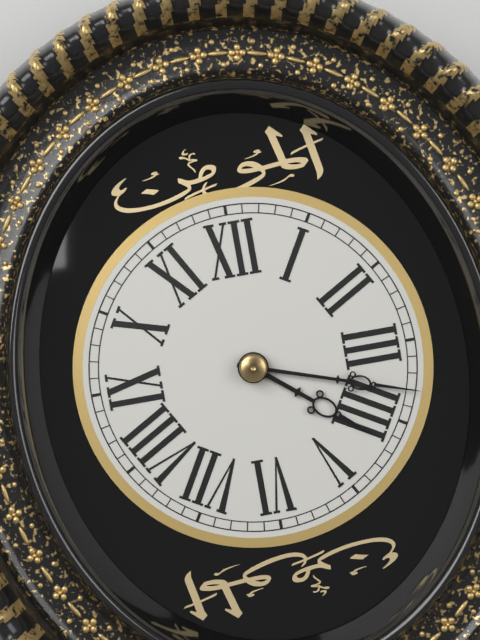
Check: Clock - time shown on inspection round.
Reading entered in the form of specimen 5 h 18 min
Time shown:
4 h 18 min
